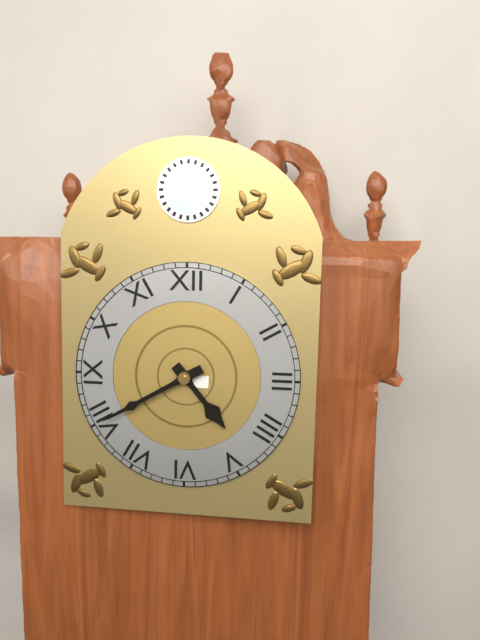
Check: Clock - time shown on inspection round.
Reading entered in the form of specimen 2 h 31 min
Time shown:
4 h 40 min
